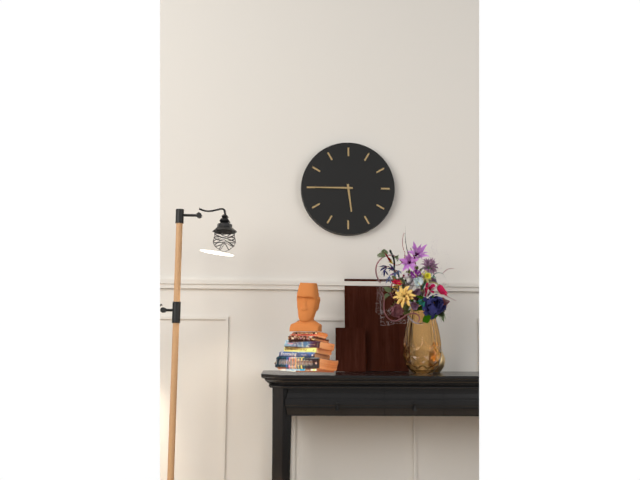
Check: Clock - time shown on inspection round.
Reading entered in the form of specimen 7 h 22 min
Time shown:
5 h 45 min
